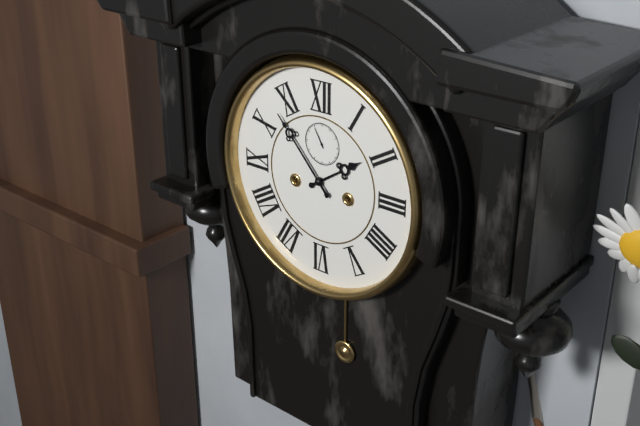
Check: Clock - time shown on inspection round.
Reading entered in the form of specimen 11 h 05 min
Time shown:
1 h 53 min
